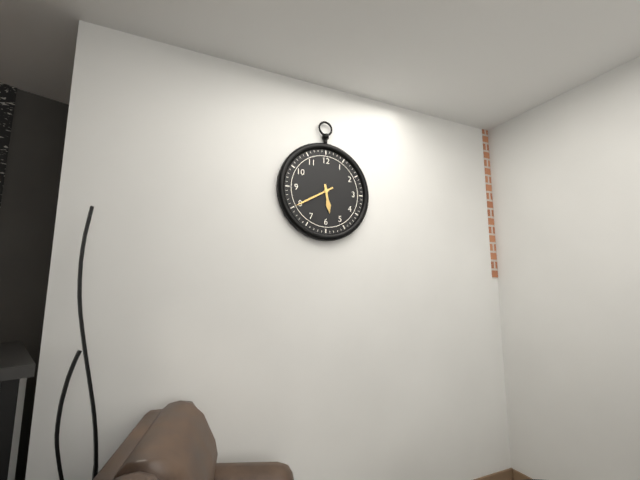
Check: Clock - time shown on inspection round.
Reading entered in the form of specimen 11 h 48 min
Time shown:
5 h 40 min
